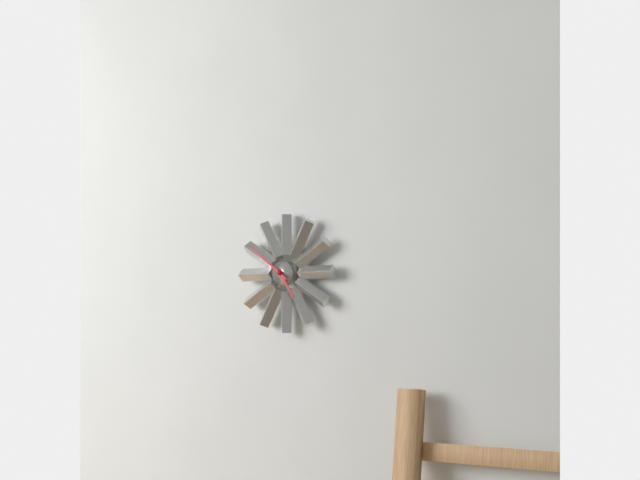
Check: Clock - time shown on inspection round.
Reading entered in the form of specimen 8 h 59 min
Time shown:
4 h 51 min
